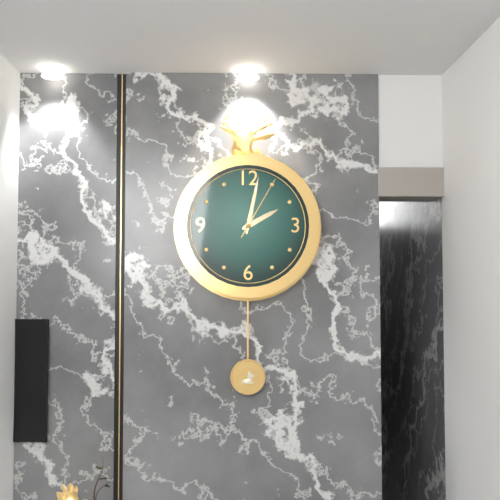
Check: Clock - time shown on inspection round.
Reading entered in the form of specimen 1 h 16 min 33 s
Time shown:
2 h 02 min 05 s
